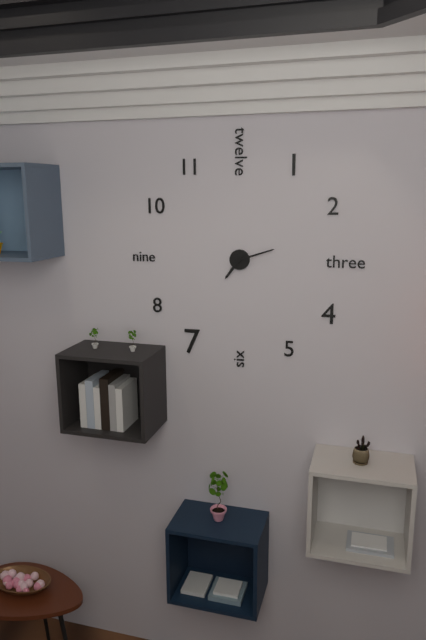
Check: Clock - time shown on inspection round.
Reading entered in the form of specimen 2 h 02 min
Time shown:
7 h 12 min
